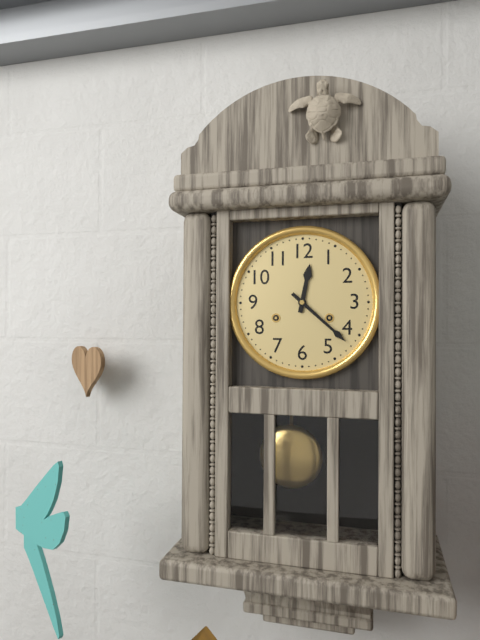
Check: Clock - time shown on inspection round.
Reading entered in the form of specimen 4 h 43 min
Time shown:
12 h 22 min
